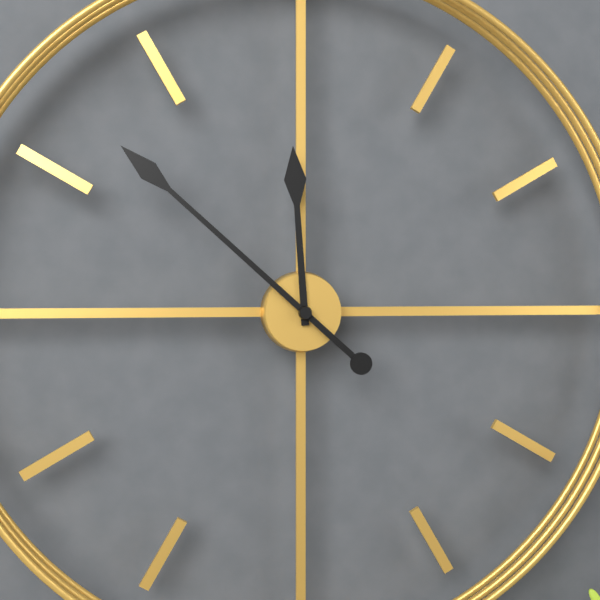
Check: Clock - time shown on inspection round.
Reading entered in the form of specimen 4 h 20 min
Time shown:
11 h 52 min
